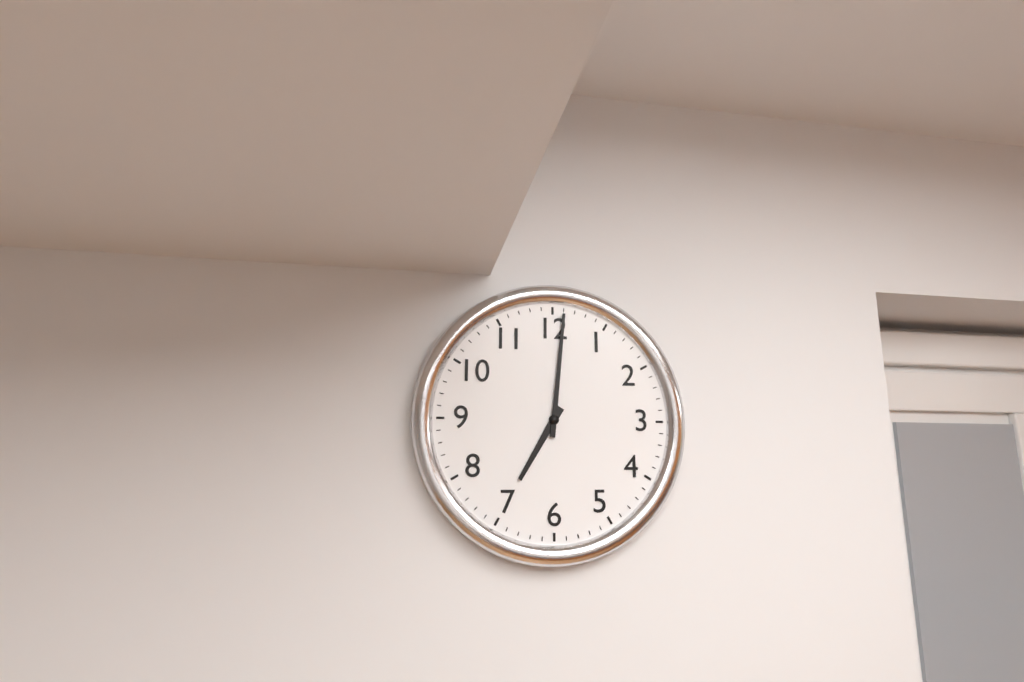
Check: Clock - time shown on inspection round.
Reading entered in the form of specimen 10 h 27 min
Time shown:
7 h 01 min
